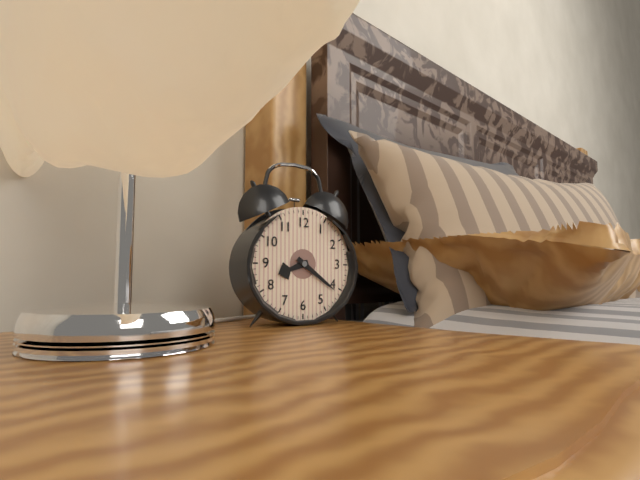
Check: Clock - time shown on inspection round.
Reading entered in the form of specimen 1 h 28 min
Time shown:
8 h 21 min
